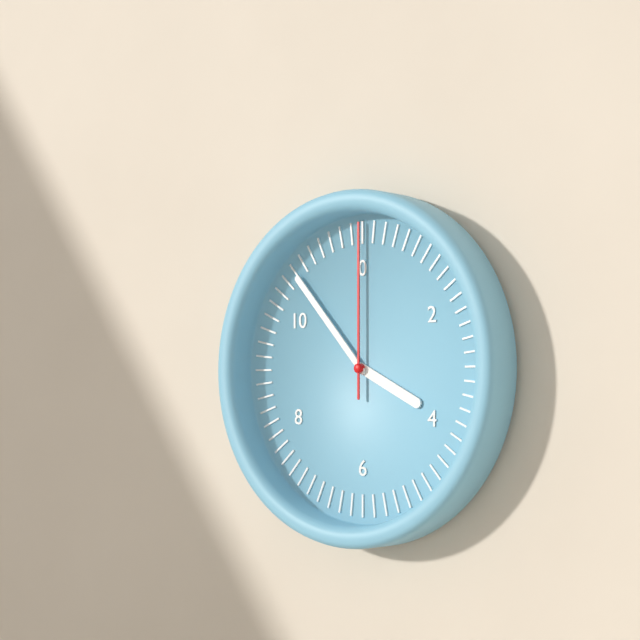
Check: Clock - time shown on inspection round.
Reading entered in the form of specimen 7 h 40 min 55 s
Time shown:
3 h 53 min 00 s
